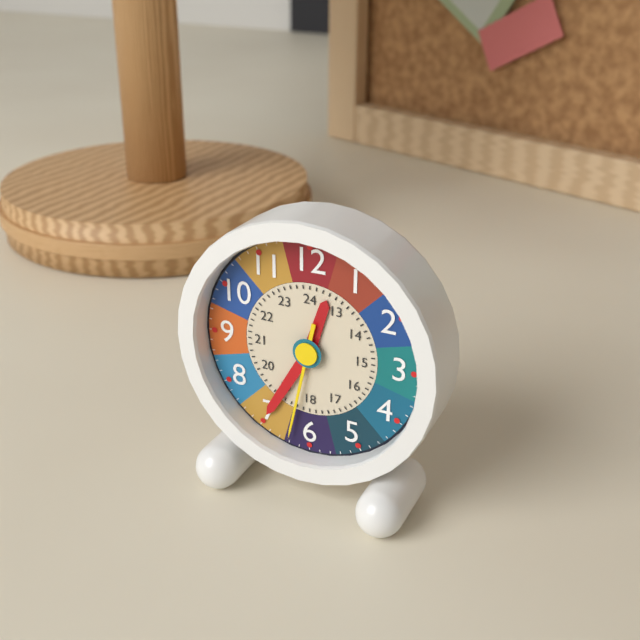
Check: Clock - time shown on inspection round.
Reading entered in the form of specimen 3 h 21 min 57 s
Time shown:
12 h 35 min 32 s
